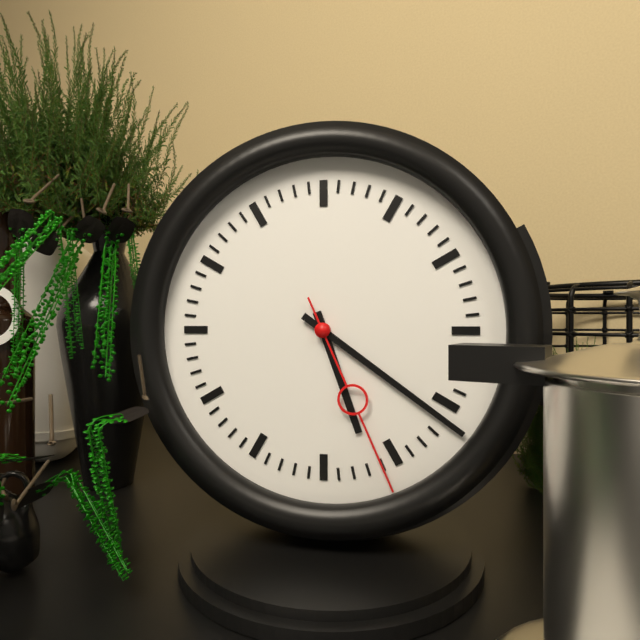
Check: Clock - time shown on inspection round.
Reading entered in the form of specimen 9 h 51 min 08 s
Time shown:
5 h 21 min 26 s
